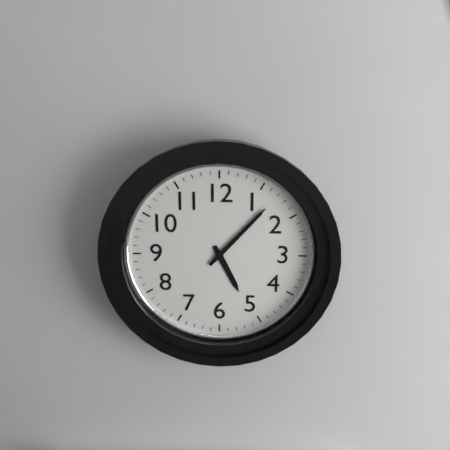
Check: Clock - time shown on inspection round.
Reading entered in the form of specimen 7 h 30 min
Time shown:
5 h 07 min
